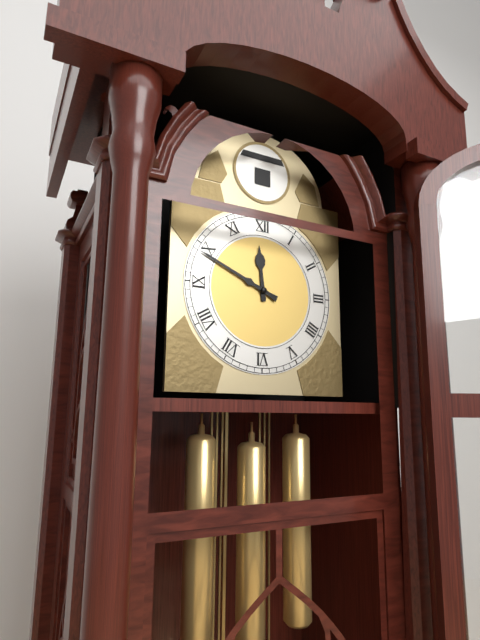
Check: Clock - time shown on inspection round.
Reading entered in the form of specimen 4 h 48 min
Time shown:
11 h 49 min
